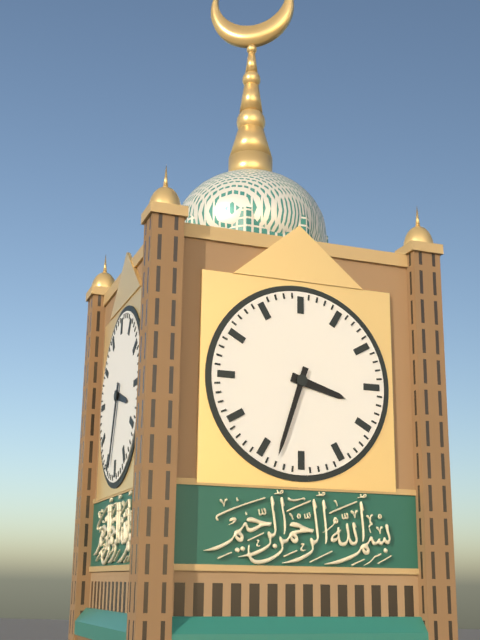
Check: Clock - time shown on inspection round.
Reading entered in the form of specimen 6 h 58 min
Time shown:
3 h 33 min
